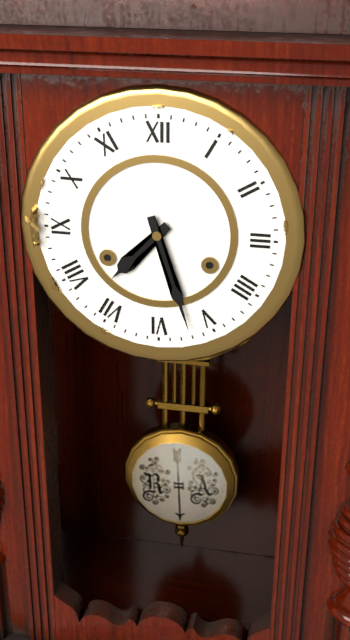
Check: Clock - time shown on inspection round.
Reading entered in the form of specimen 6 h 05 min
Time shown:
7 h 27 min
